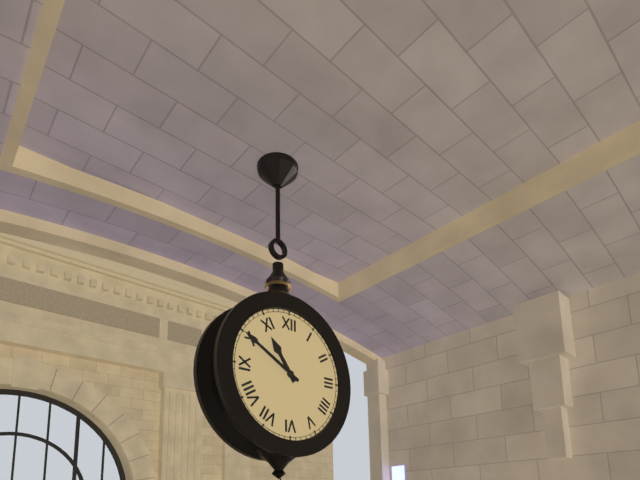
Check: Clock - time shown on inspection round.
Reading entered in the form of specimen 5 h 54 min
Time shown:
10 h 50 min
